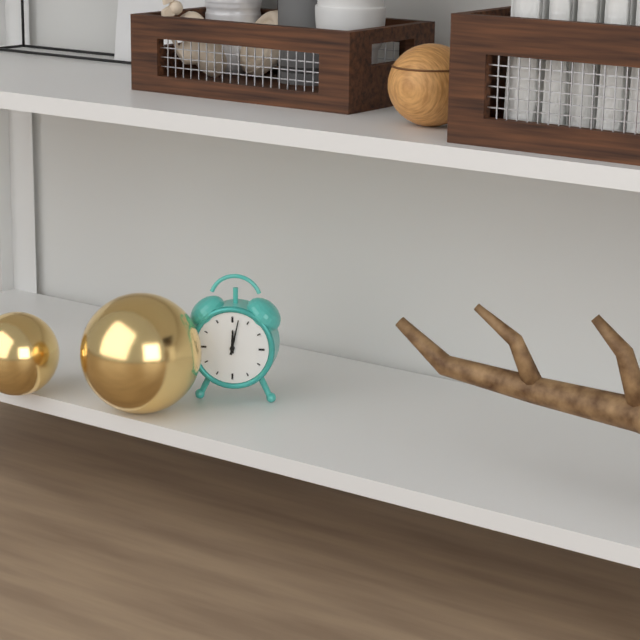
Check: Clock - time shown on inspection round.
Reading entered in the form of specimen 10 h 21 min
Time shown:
12 h 02 min
